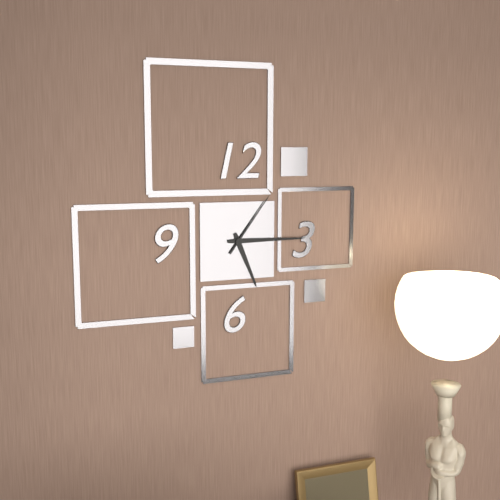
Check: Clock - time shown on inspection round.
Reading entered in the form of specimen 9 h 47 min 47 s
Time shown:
5 h 15 min 06 s
